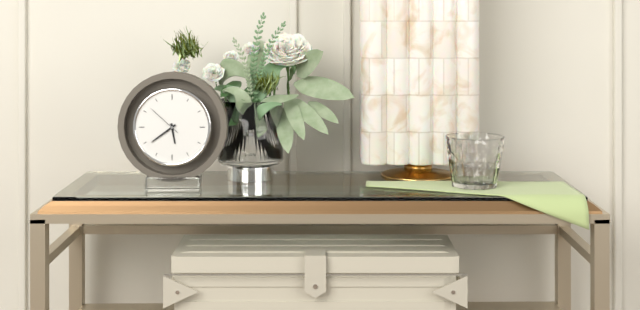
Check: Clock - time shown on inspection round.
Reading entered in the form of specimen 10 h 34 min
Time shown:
5 h 39 min
